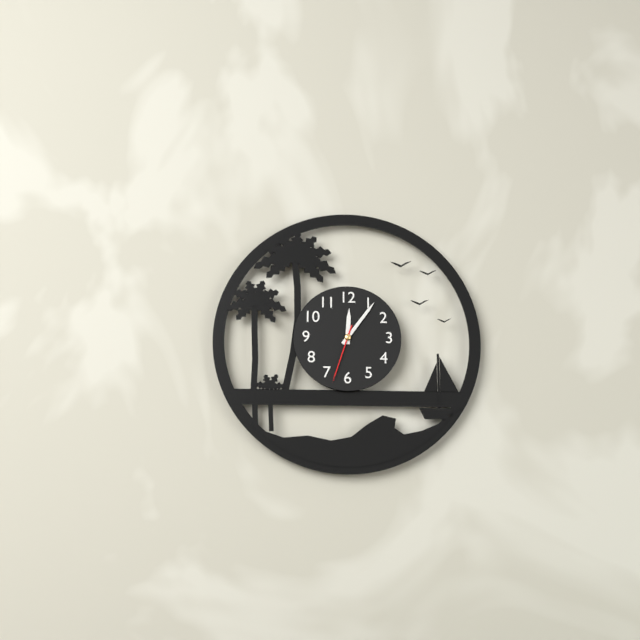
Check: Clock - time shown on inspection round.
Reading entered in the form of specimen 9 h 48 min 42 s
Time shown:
12 h 06 min 33 s
